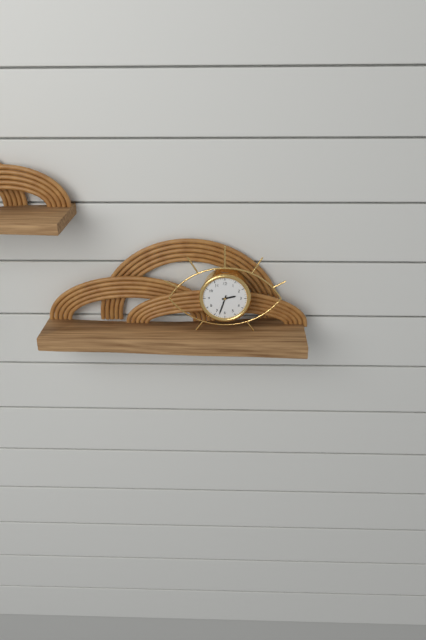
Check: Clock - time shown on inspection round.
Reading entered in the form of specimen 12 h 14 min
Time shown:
2 h 33 min
